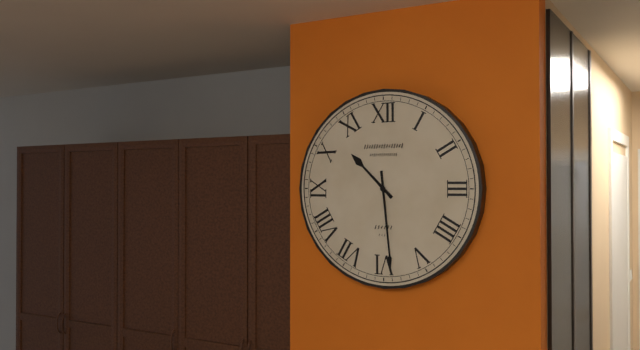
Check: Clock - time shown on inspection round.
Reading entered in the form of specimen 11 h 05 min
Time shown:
10 h 29 min
